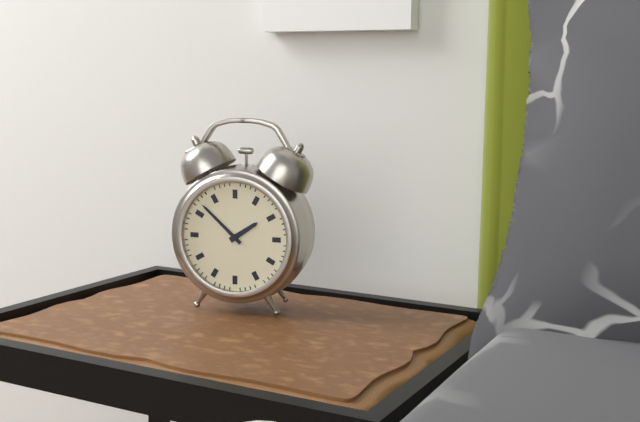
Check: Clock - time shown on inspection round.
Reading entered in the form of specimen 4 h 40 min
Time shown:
1 h 52 min
